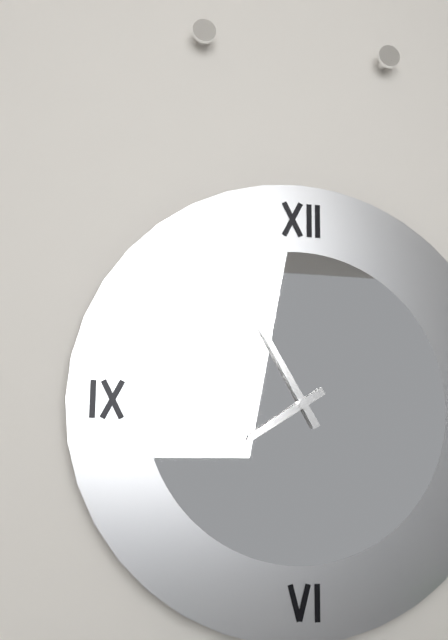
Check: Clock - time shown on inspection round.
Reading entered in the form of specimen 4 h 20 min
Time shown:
7 h 55 min
